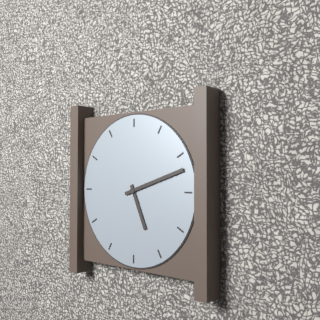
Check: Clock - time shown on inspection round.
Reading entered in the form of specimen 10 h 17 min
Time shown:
5 h 12 min
